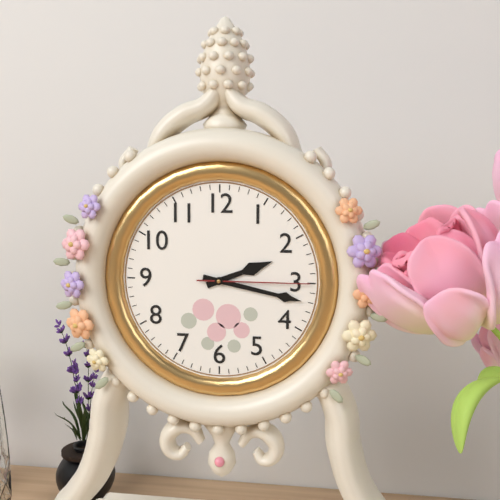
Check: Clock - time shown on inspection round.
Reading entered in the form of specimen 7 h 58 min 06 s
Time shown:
2 h 17 min 15 s
